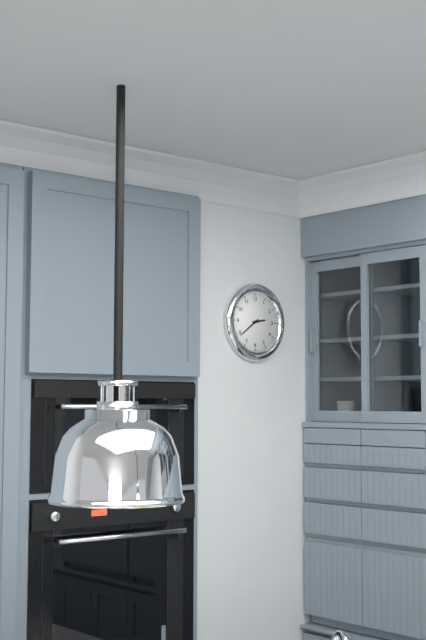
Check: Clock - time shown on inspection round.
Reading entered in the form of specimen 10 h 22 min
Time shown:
2 h 39 min
